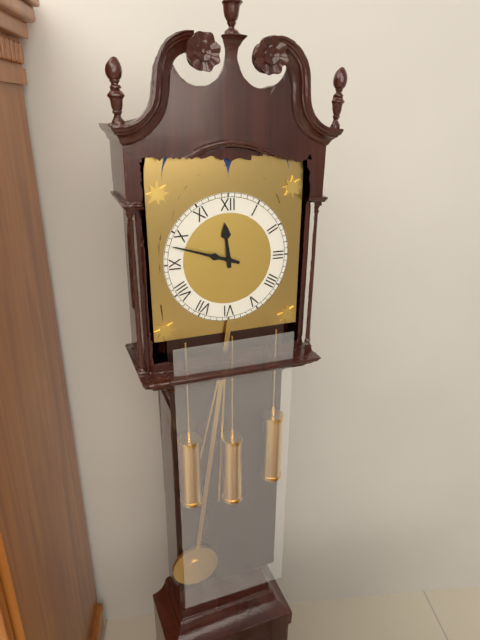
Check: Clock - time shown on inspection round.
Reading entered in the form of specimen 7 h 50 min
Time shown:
11 h 48 min
